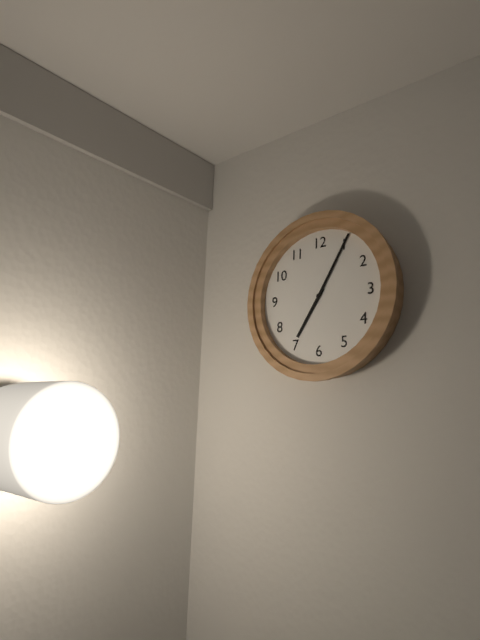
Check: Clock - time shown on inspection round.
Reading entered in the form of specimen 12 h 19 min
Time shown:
7 h 05 min
